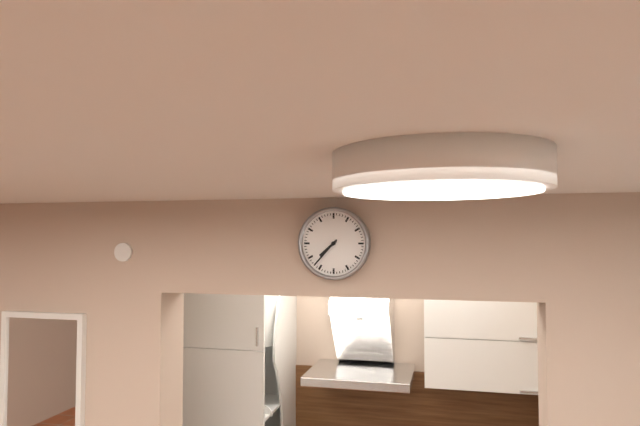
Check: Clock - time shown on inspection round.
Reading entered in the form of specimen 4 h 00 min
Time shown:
7 h 37 min
